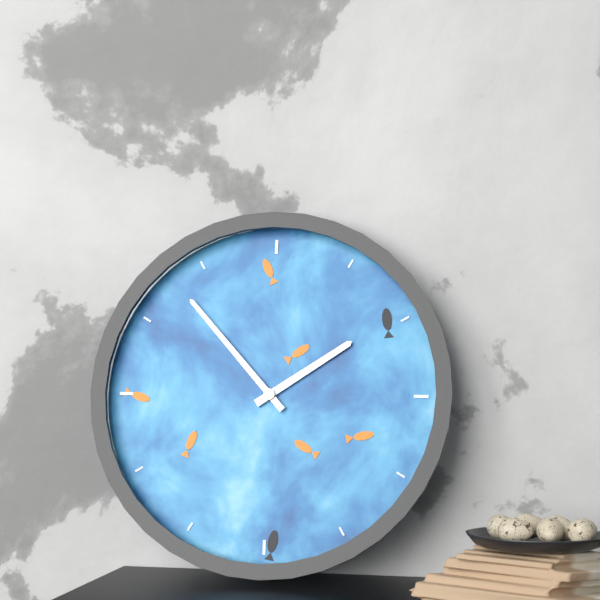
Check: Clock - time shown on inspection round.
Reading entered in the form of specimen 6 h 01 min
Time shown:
1 h 53 min
